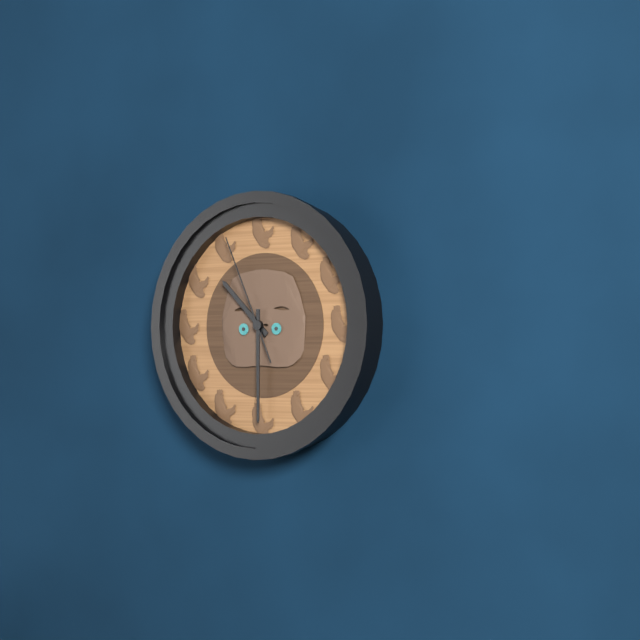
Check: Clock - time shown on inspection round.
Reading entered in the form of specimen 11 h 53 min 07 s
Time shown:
10 h 30 min 56 s
